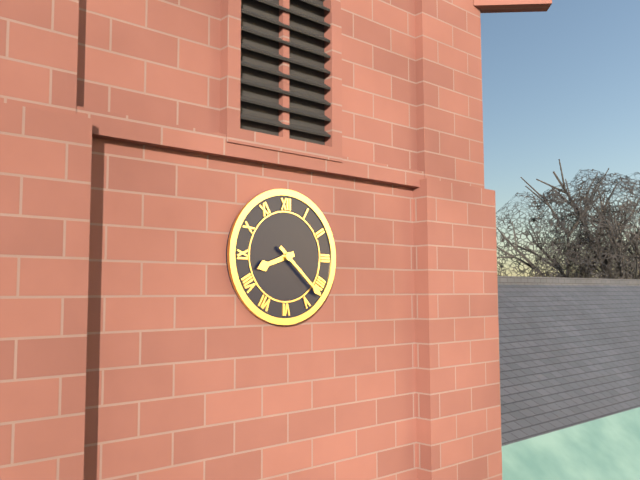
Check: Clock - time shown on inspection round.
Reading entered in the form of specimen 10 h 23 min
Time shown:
8 h 22 min
